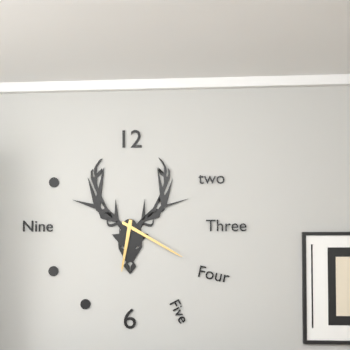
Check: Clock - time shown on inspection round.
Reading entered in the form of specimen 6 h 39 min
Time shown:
6 h 20 min
